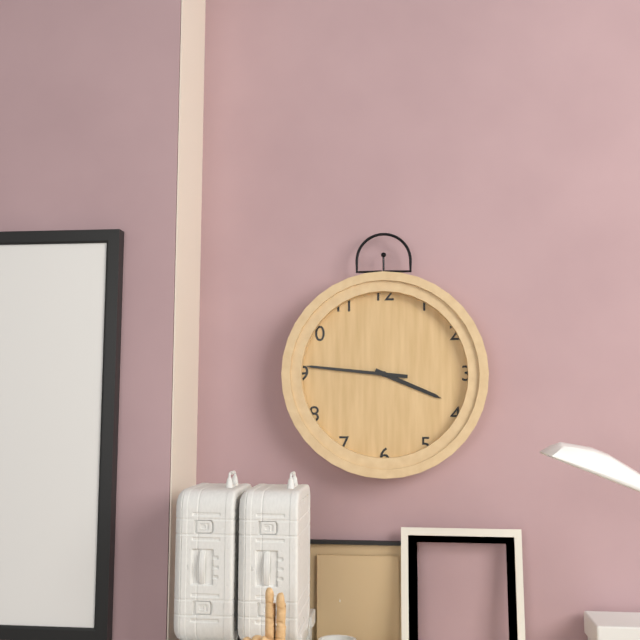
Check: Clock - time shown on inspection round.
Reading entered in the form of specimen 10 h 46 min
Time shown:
3 h 46 min
